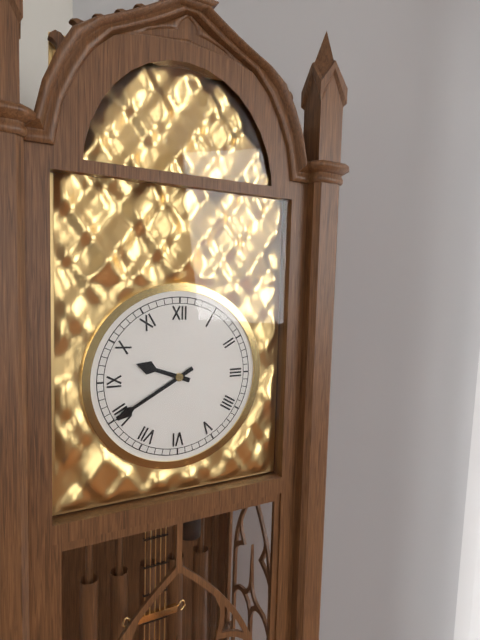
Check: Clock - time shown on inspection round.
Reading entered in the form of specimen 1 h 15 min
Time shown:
9 h 40 min
